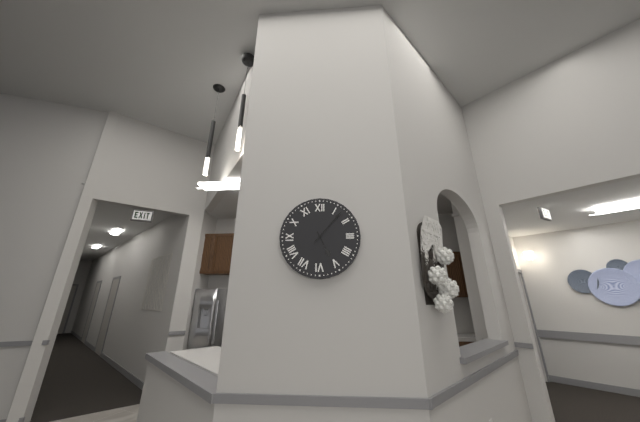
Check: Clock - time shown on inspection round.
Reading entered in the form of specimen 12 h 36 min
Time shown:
5 h 07 min
